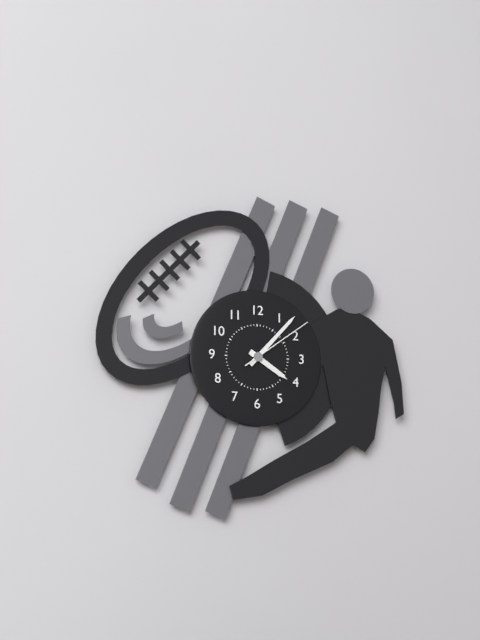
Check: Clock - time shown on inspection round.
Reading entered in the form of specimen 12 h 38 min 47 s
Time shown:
4 h 07 min 09 s
